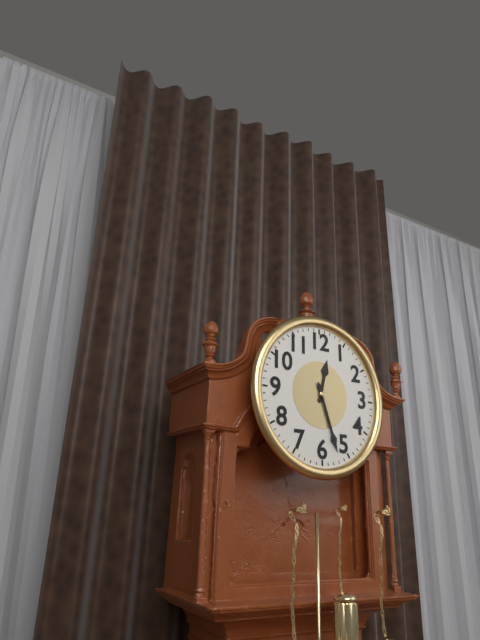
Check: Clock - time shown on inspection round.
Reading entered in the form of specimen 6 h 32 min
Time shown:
12 h 27 min
